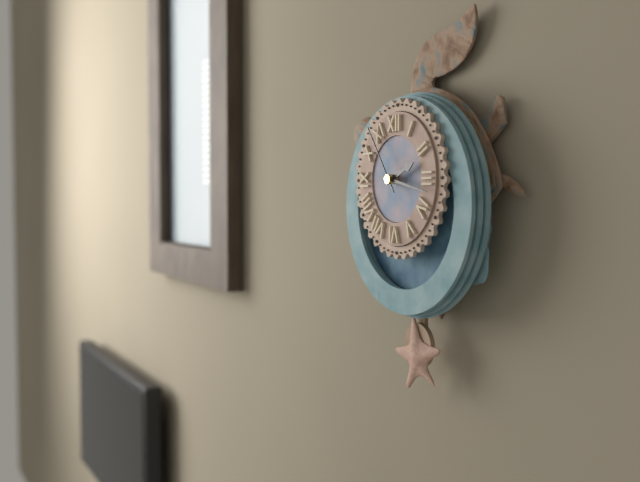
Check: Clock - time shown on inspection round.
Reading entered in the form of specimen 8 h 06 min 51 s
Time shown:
2 h 17 min 54 s
